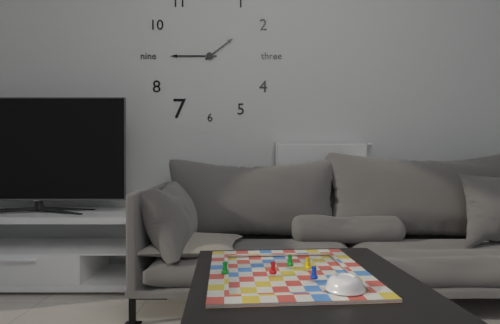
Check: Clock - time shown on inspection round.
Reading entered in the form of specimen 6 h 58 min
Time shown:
1 h 45 min
